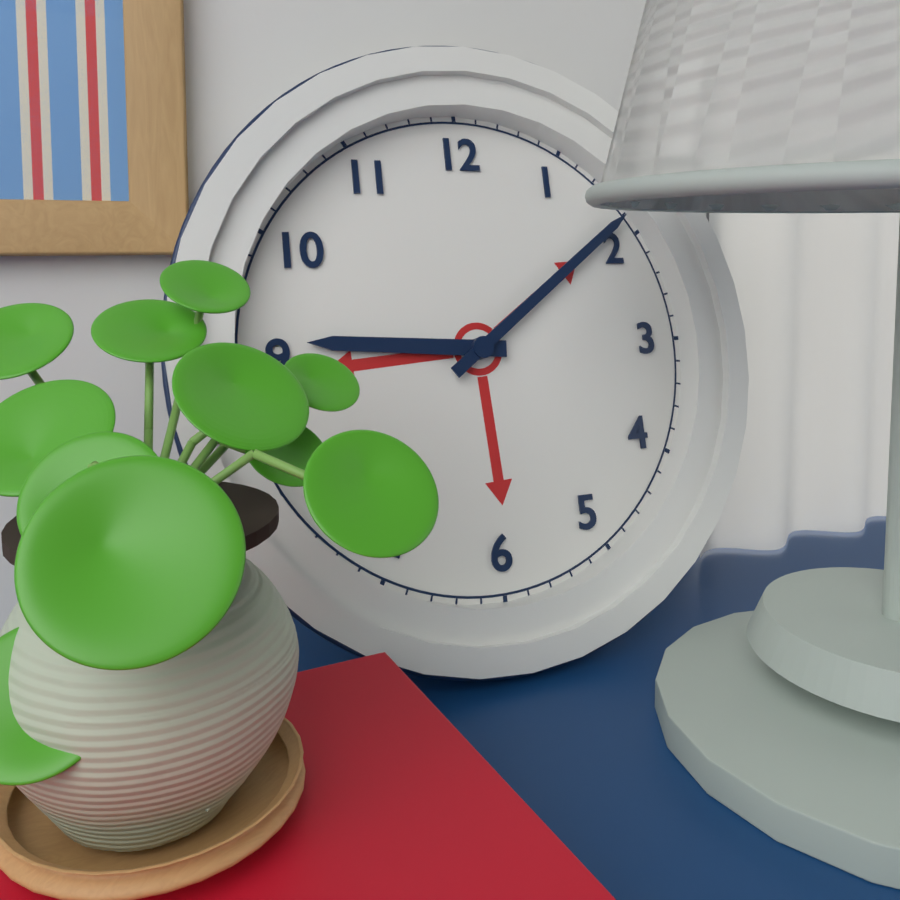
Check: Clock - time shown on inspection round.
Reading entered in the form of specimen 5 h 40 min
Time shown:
9 h 09 min
